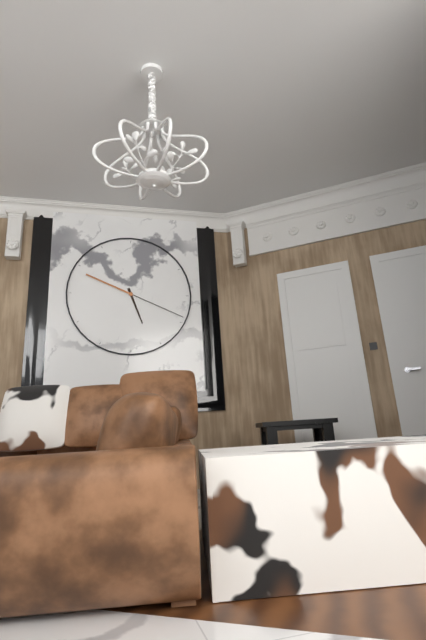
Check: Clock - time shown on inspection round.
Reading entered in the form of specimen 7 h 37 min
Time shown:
5 h 19 min
